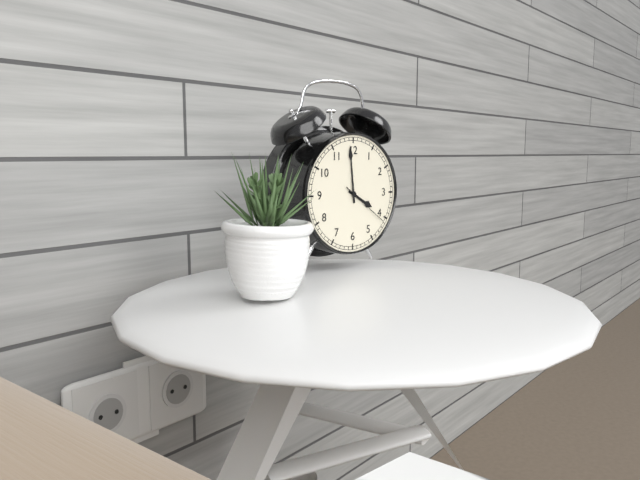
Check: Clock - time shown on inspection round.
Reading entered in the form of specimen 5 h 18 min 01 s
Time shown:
3 h 59 min 21 s
